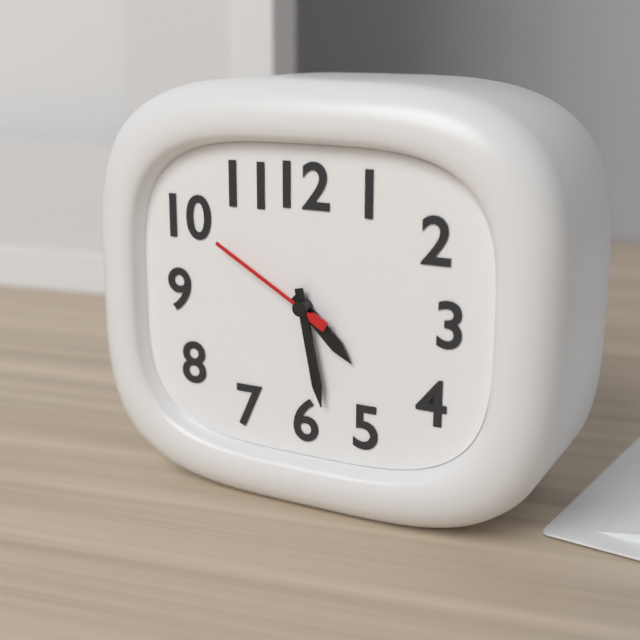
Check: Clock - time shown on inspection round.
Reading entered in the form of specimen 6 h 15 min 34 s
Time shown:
4 h 28 min 50 s
